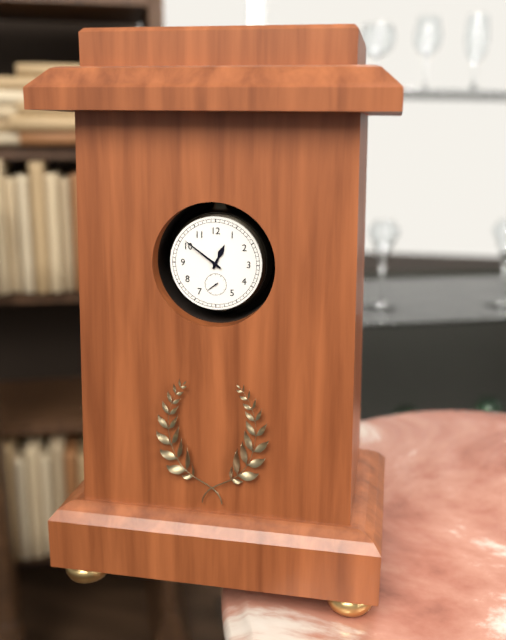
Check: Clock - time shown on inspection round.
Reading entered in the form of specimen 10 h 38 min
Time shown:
12 h 51 min
